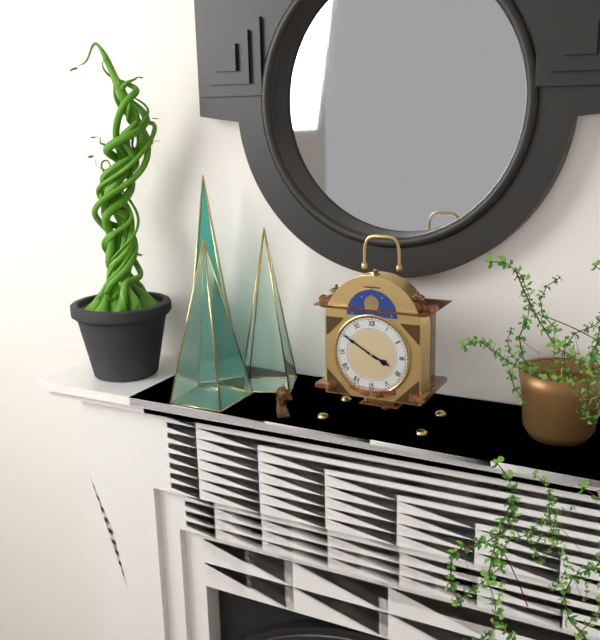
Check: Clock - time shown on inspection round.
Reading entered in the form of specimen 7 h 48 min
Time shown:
3 h 50 min
